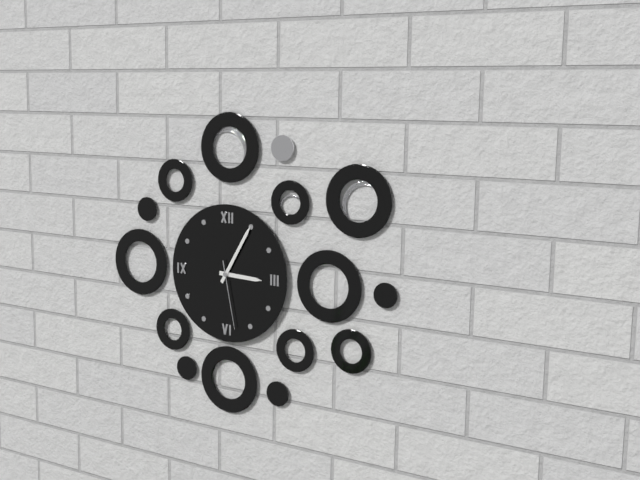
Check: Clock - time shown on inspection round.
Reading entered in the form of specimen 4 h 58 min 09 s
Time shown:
3 h 05 min 28 s
